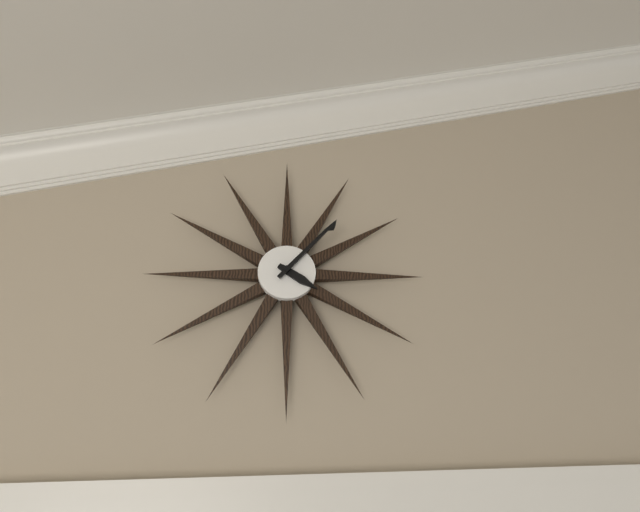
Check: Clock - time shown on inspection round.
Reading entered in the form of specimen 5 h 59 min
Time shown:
4 h 07 min
